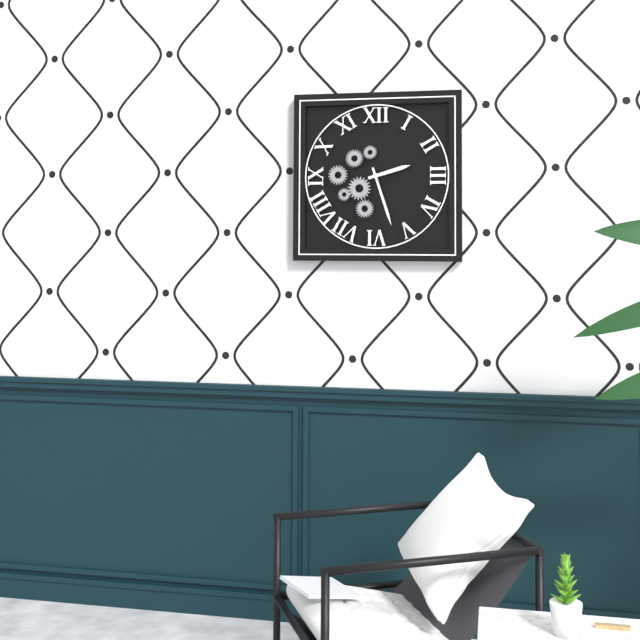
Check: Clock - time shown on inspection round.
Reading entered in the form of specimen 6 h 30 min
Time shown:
2 h 27 min
